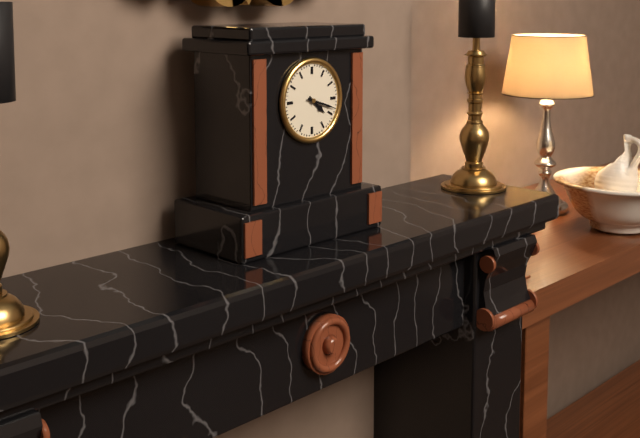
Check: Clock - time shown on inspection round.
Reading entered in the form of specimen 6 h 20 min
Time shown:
4 h 18 min
